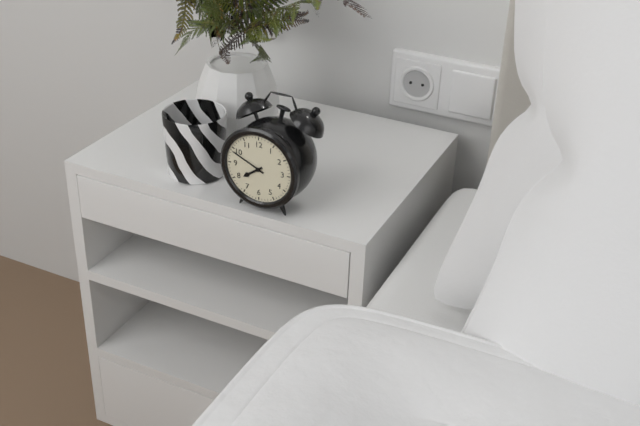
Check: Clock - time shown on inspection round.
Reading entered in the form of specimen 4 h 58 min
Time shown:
7 h 49 min
